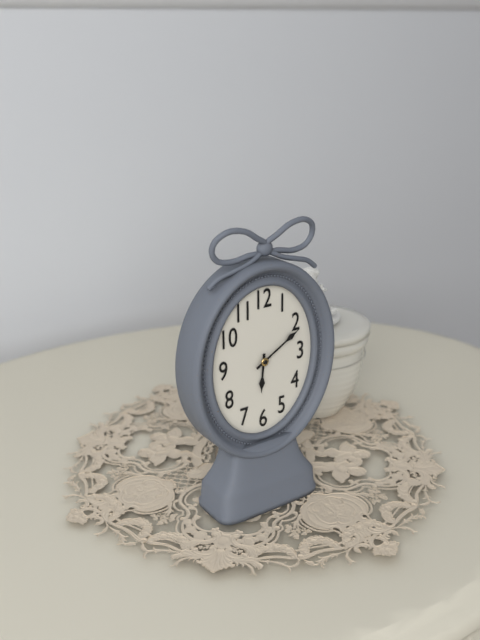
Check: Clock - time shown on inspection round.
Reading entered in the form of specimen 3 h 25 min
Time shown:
6 h 10 min
